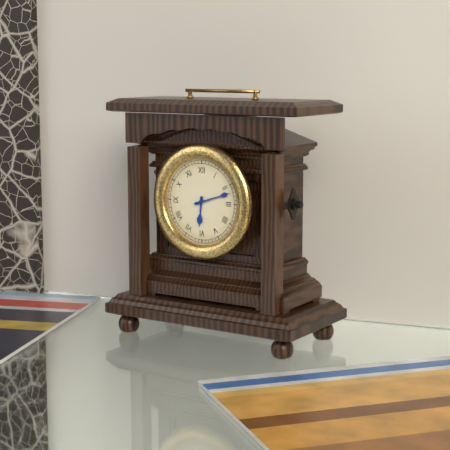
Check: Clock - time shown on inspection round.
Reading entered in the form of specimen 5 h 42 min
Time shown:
6 h 12 min
